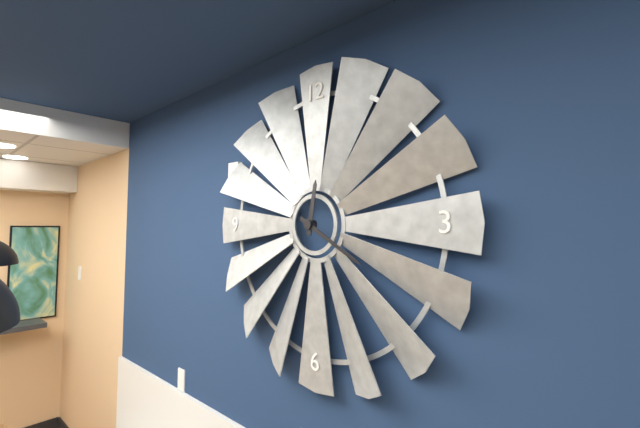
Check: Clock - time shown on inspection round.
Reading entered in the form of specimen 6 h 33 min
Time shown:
12 h 20 min
